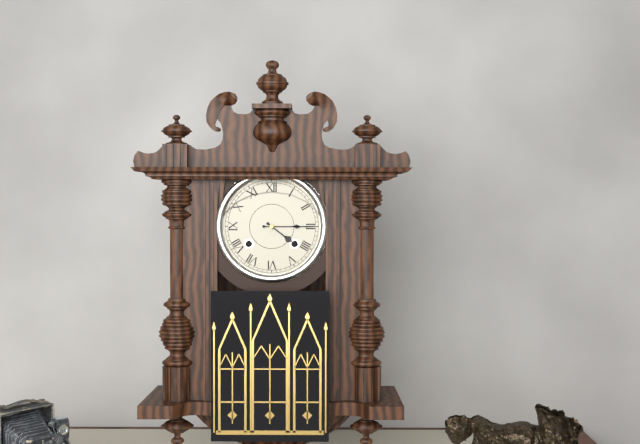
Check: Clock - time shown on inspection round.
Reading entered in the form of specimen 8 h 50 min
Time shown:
4 h 15 min
